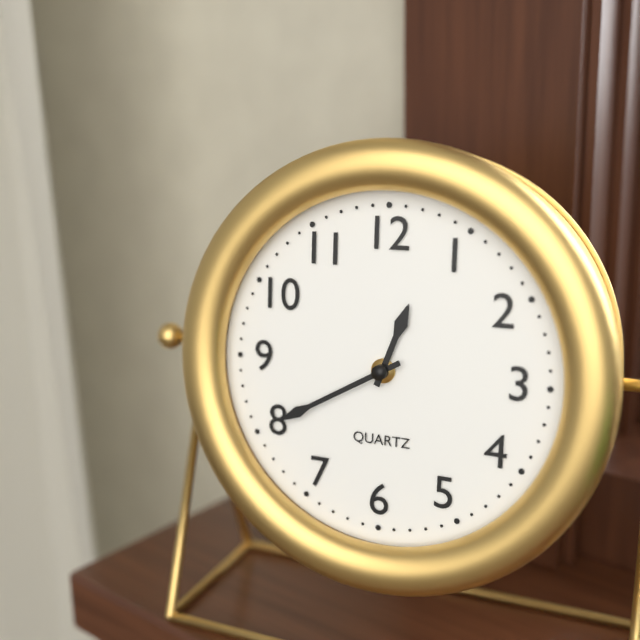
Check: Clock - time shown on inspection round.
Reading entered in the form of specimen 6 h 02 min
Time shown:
12 h 40 min
